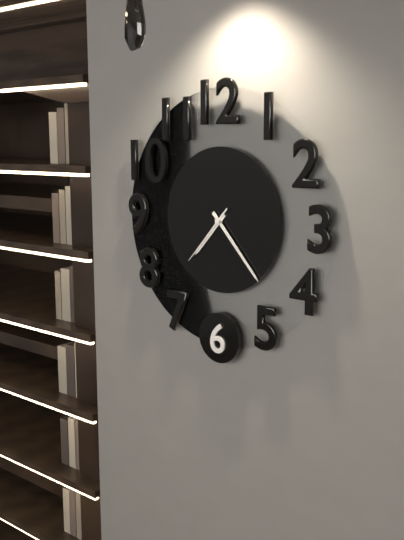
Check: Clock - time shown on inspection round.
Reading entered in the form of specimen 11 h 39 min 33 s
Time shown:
7 h 23 min 37 s
